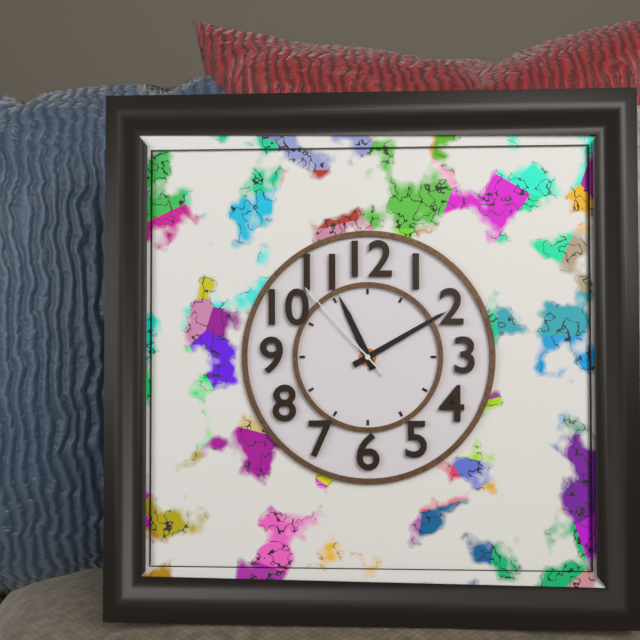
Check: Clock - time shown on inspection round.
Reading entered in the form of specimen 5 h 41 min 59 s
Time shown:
11 h 10 min 53 s
